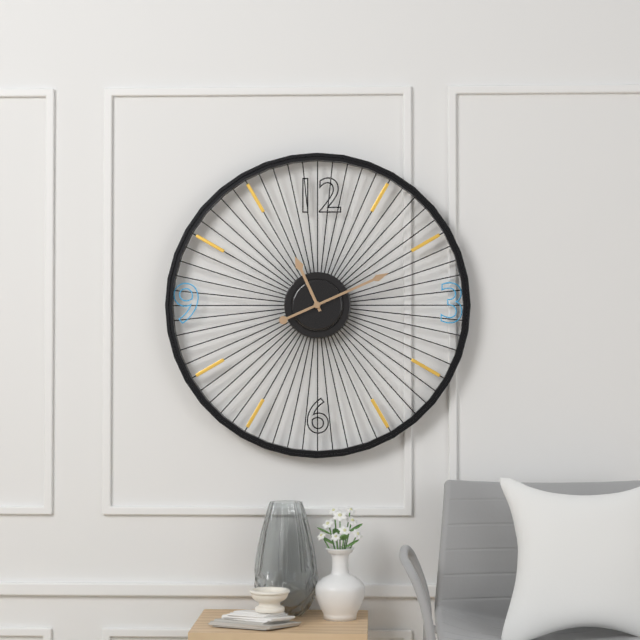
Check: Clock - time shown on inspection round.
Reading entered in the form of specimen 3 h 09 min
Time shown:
11 h 11 min
